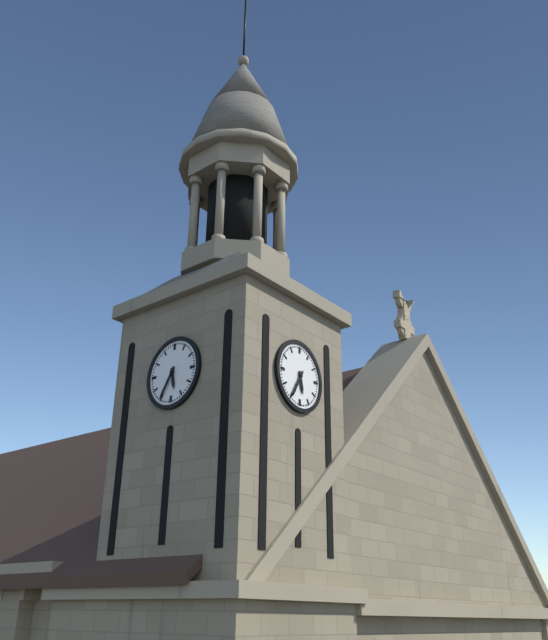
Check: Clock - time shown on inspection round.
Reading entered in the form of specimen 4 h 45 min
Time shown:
5 h 35 min
